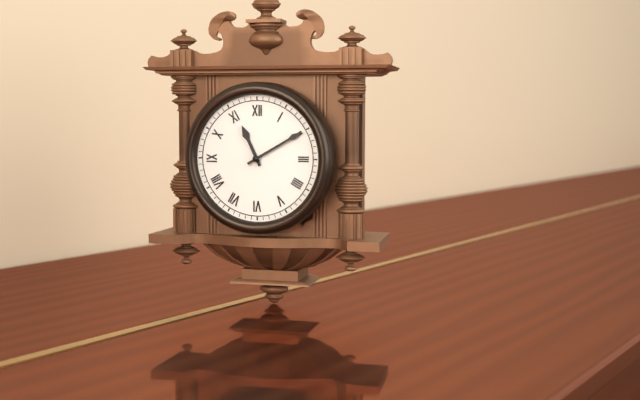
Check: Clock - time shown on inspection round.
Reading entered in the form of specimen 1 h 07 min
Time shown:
11 h 10 min
